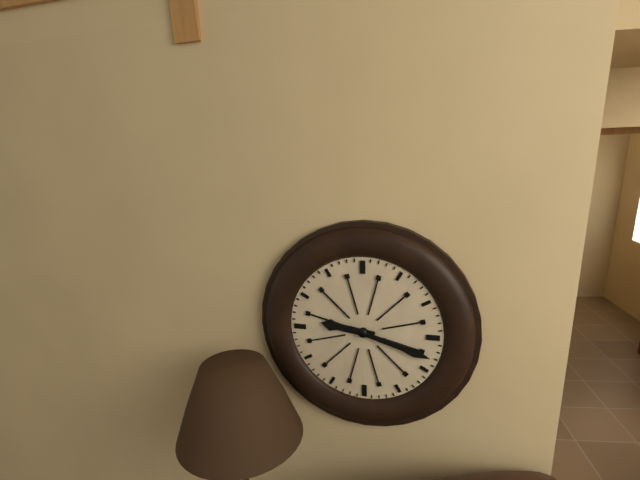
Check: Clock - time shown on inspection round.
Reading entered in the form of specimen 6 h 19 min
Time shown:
9 h 18 min
